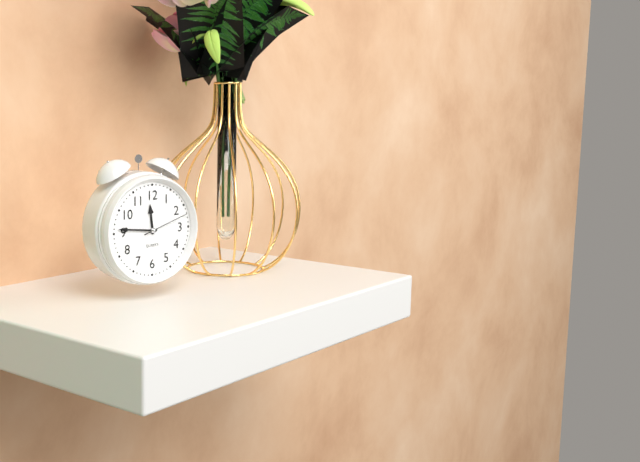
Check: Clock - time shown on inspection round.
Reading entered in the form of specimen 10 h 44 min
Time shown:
11 h 46 min
